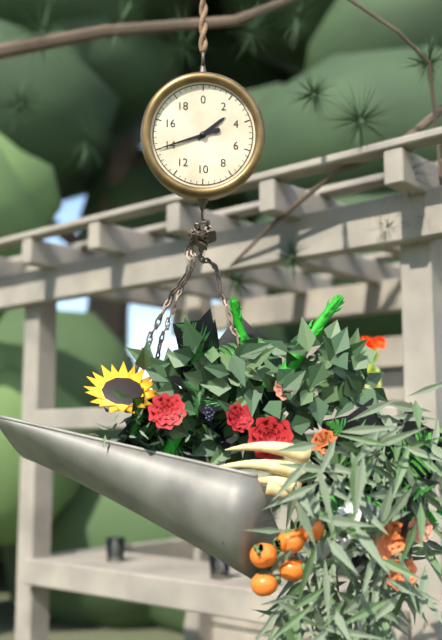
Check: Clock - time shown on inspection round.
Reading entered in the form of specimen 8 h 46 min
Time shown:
1 h 42 min
